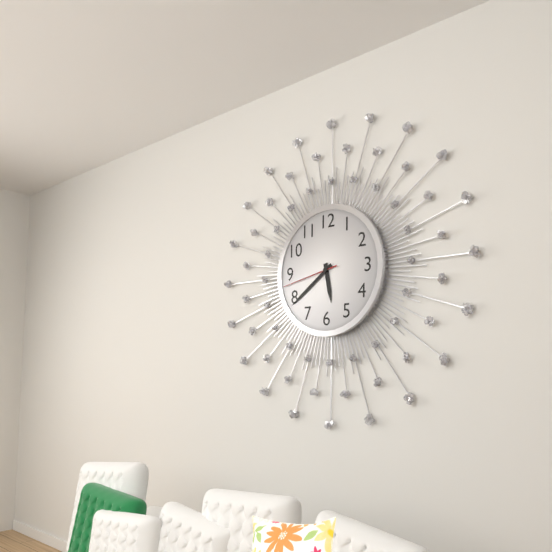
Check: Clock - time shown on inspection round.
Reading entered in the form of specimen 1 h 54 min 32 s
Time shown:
5 h 39 min 43 s
